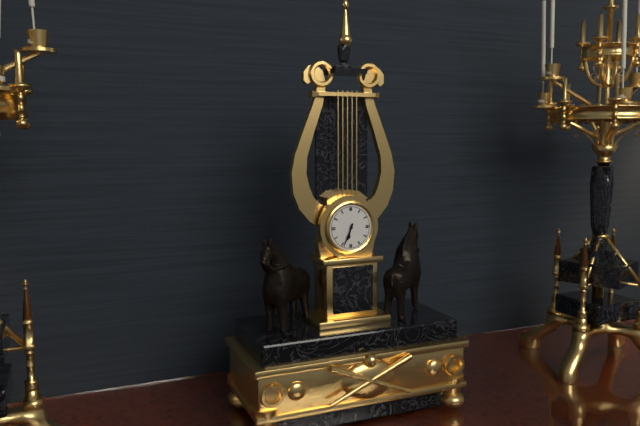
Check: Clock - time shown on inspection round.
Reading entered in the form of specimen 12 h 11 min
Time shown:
6 h 34 min
